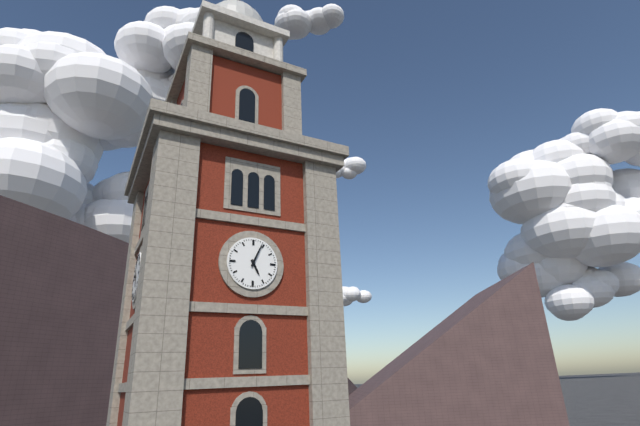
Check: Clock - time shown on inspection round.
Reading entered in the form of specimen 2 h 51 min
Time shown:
5 h 04 min
